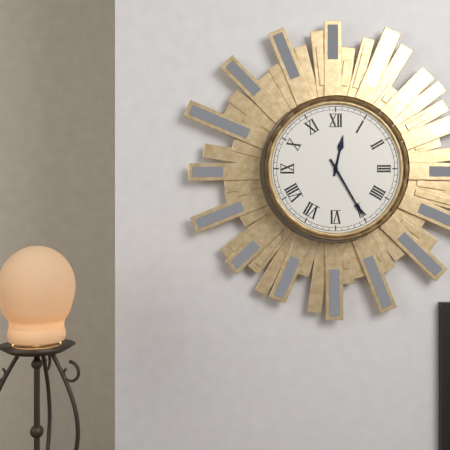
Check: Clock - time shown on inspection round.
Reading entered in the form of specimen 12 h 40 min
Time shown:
12 h 25 min
